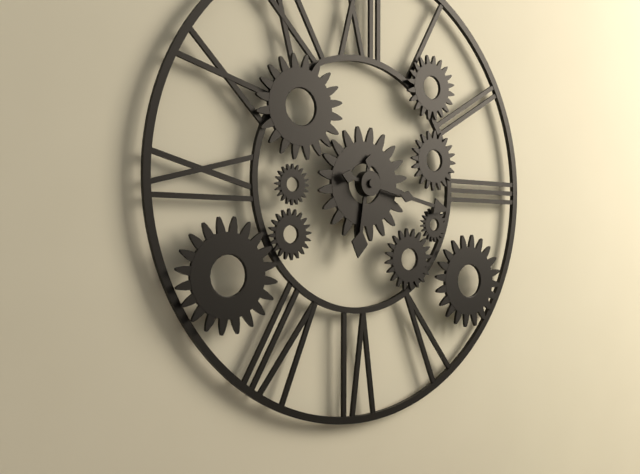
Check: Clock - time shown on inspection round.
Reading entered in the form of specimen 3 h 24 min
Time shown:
6 h 17 min
